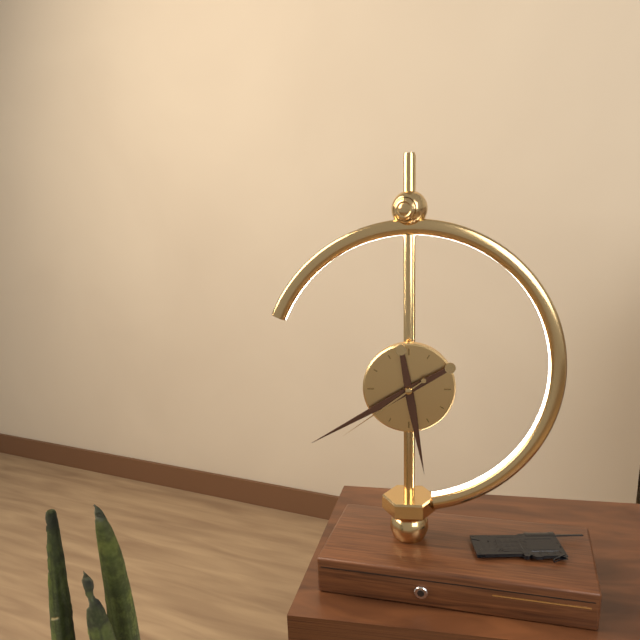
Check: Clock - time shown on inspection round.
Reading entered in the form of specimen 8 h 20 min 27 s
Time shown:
5 h 40 min 39 s
